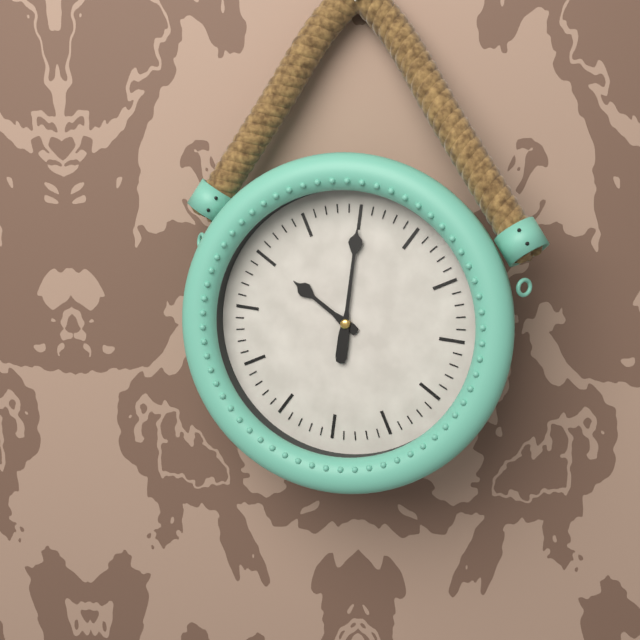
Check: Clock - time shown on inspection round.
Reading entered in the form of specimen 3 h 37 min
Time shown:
10 h 00 min
